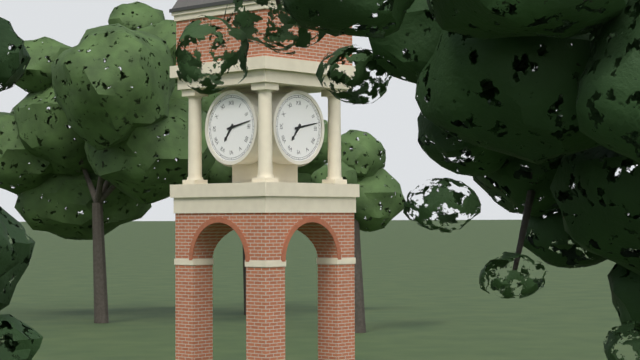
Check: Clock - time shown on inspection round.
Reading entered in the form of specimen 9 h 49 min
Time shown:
7 h 13 min
